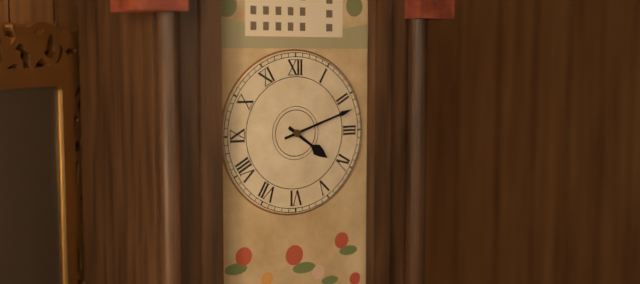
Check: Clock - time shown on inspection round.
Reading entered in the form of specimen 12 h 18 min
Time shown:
4 h 12 min
